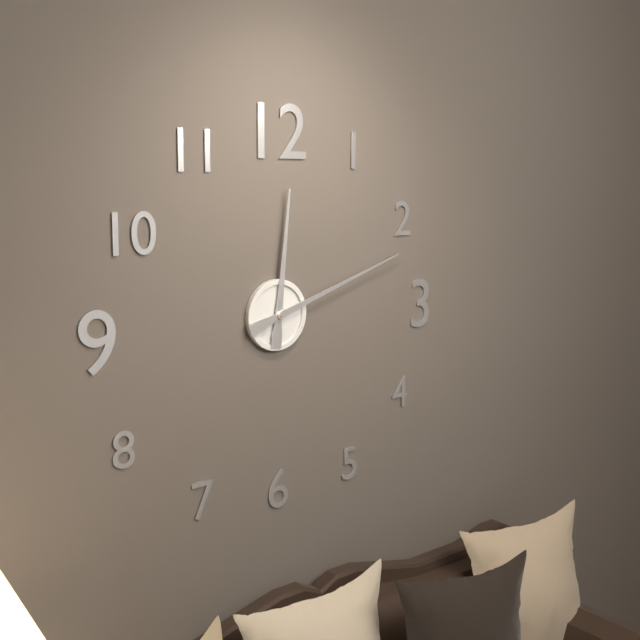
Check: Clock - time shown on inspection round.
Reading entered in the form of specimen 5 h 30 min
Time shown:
12 h 12 min
